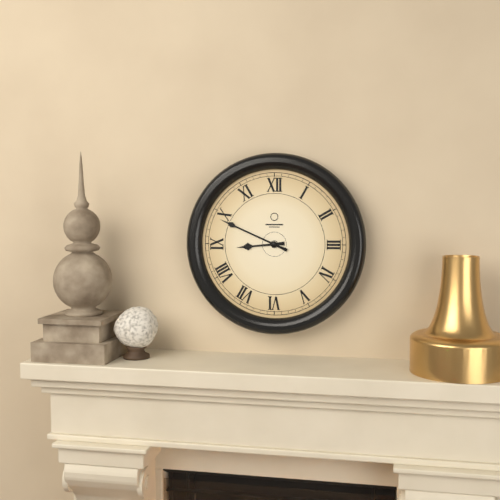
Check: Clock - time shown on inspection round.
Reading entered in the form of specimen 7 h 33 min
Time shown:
8 h 49 min
